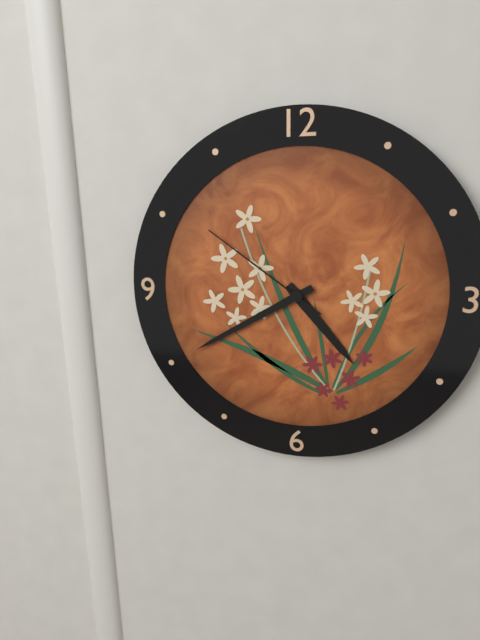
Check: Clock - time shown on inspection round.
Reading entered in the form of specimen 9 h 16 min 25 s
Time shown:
4 h 40 min 51 s
